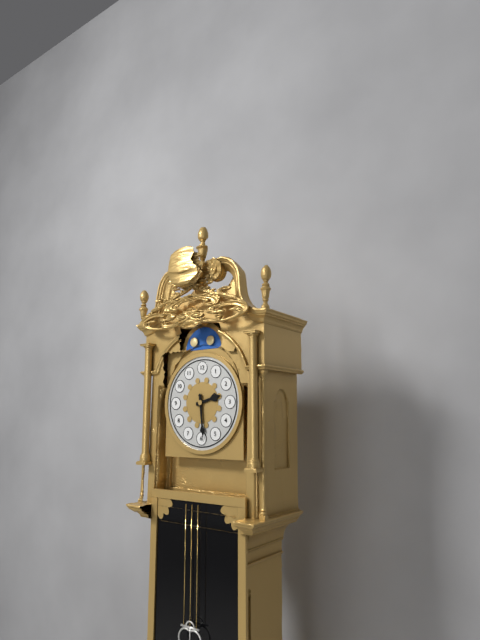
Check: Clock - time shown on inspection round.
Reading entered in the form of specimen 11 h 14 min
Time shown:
2 h 29 min
